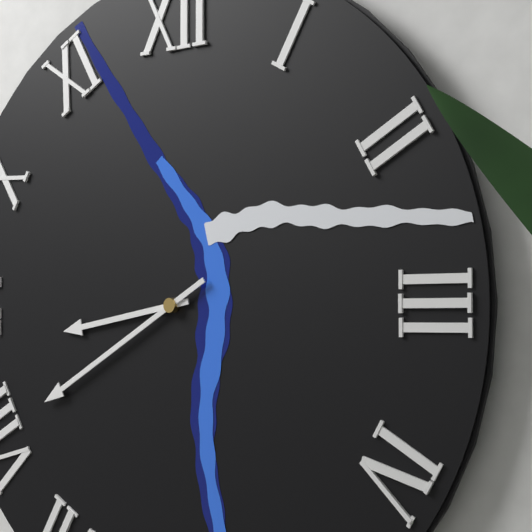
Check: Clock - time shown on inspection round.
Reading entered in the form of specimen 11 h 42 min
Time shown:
8 h 40 min
